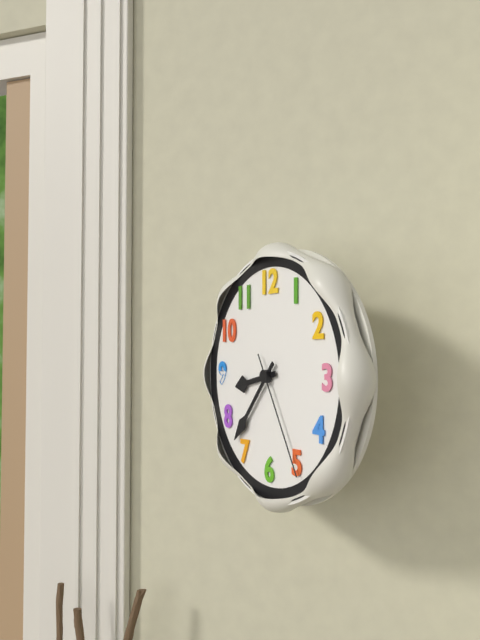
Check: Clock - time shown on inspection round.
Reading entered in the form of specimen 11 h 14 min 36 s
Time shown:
8 h 37 min 25 s
